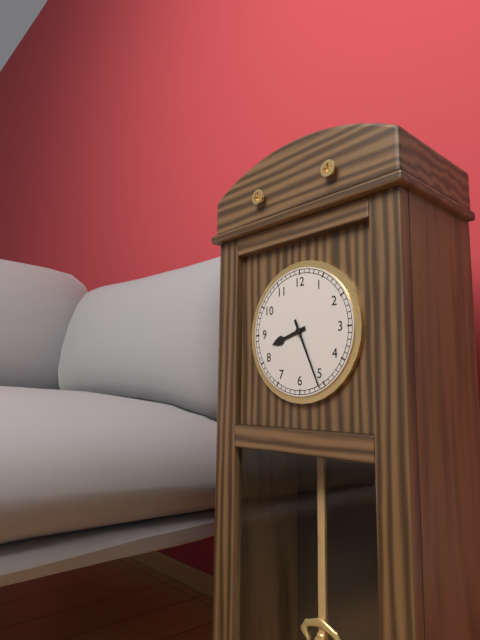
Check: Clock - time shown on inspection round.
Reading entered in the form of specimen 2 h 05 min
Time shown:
8 h 26 min
